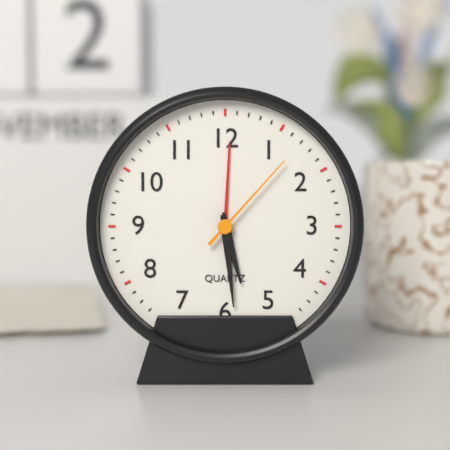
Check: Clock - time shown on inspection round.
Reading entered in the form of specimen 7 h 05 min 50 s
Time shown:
5 h 29 min 07 s
